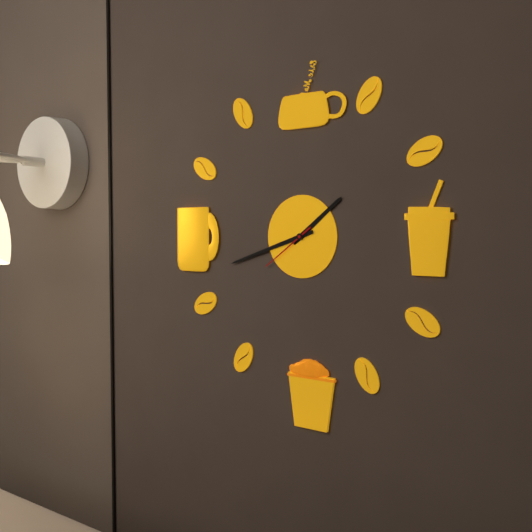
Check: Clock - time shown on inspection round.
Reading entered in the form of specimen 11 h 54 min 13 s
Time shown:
1 h 42 min 39 s
